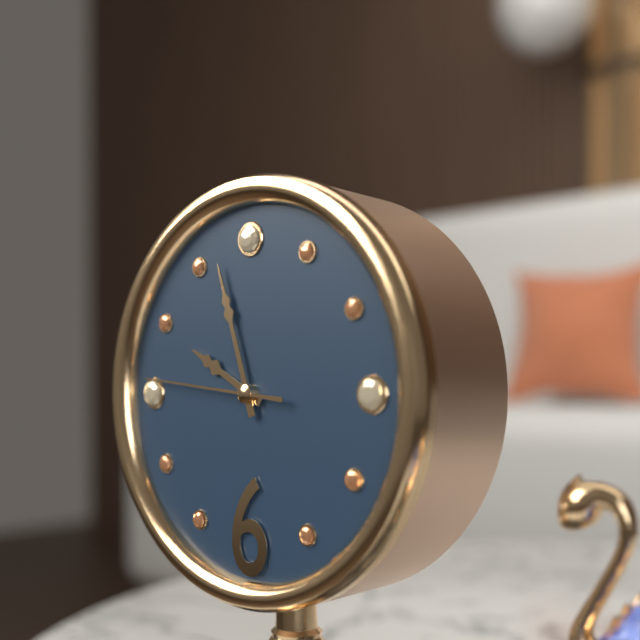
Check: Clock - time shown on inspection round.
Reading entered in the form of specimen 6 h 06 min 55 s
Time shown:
9 h 57 min 46 s
